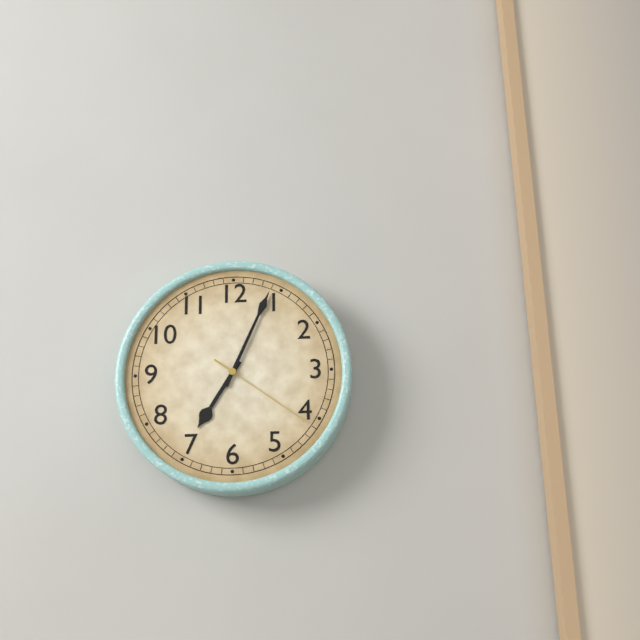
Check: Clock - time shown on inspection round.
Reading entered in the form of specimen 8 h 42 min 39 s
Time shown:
7 h 04 min 21 s
